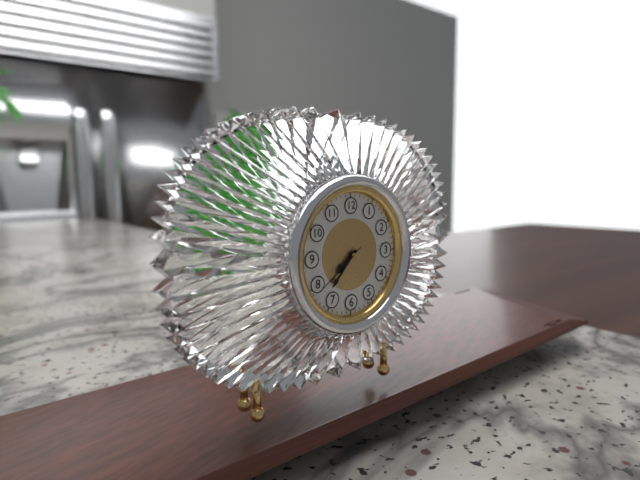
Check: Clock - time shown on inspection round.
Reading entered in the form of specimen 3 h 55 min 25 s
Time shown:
7 h 37 min 39 s
